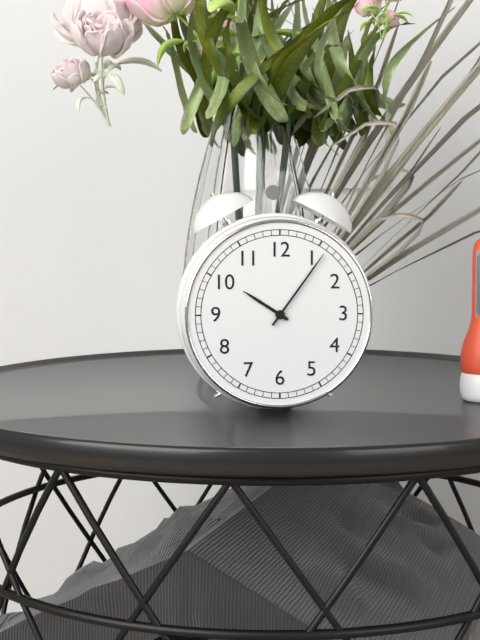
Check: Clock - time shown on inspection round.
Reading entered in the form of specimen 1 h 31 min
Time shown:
10 h 06 min
